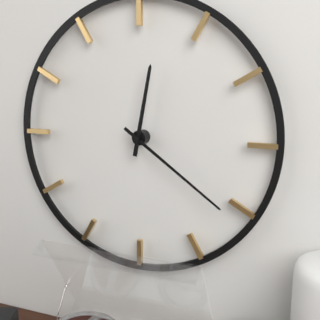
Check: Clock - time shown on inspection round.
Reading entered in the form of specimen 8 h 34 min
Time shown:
12 h 21 min
